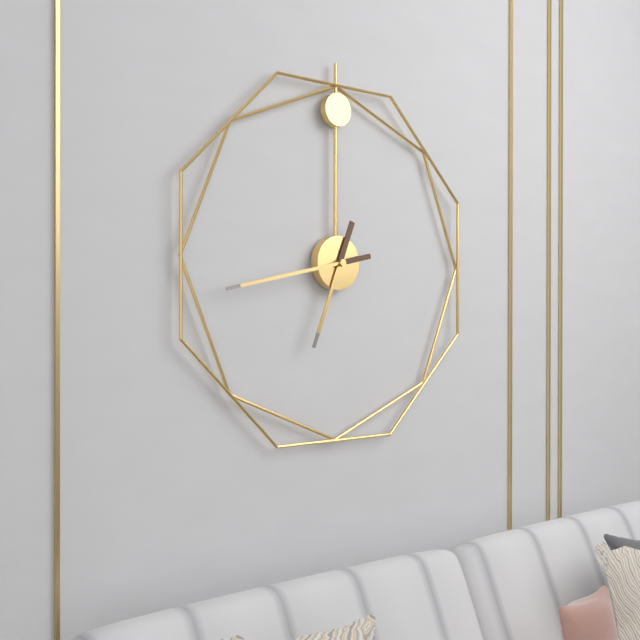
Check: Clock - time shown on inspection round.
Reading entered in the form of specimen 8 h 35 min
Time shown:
6 h 43 min
